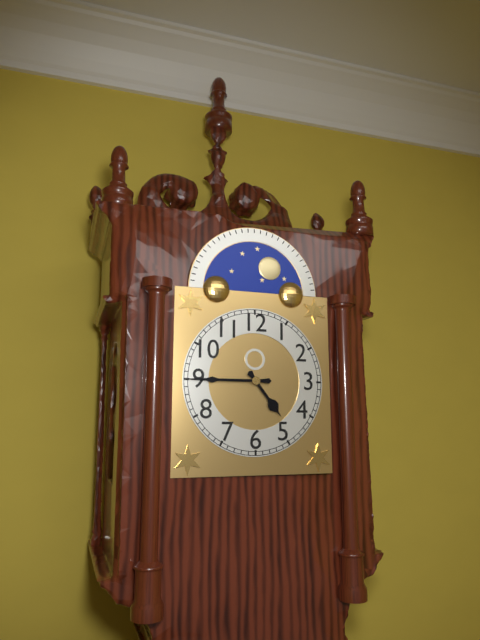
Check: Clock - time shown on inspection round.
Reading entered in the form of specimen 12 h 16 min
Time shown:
4 h 45 min
